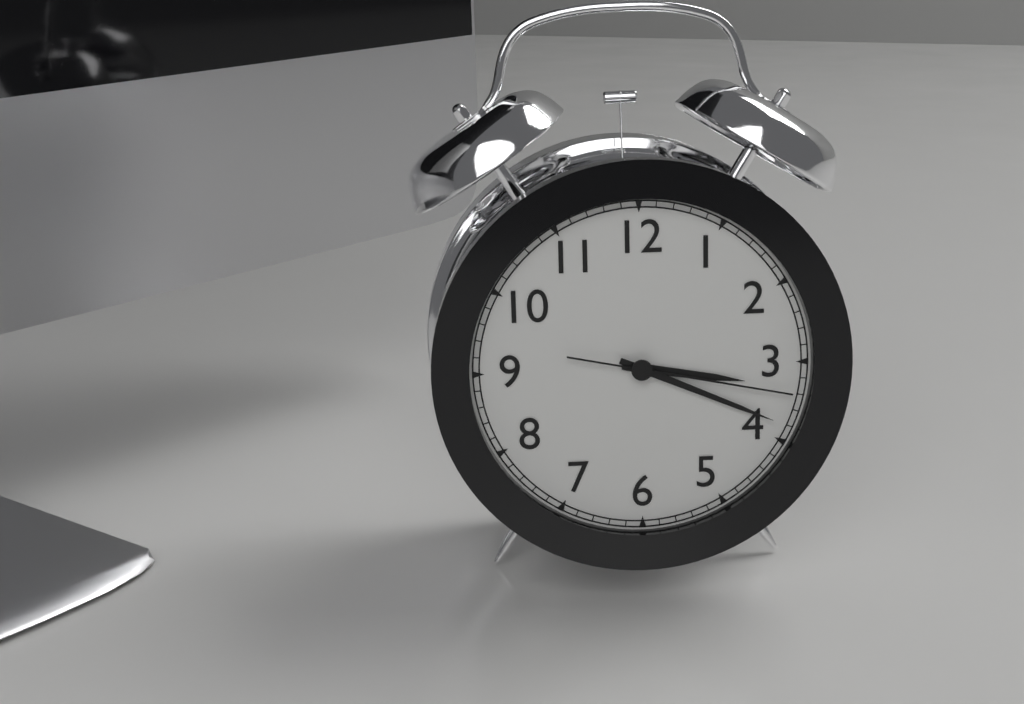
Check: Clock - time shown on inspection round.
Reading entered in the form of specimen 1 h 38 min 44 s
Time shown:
3 h 19 min 17 s
